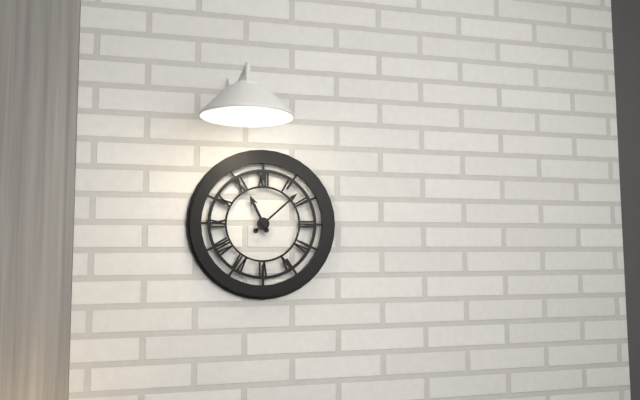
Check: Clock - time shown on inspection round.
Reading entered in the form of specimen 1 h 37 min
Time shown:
11 h 08 min
